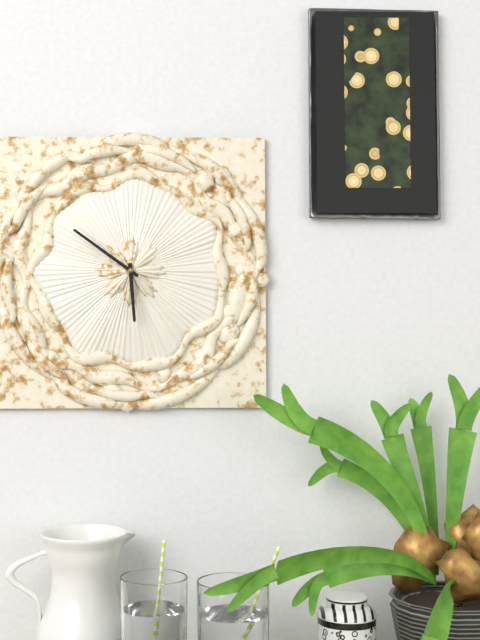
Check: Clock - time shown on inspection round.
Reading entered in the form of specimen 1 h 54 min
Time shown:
5 h 51 min
